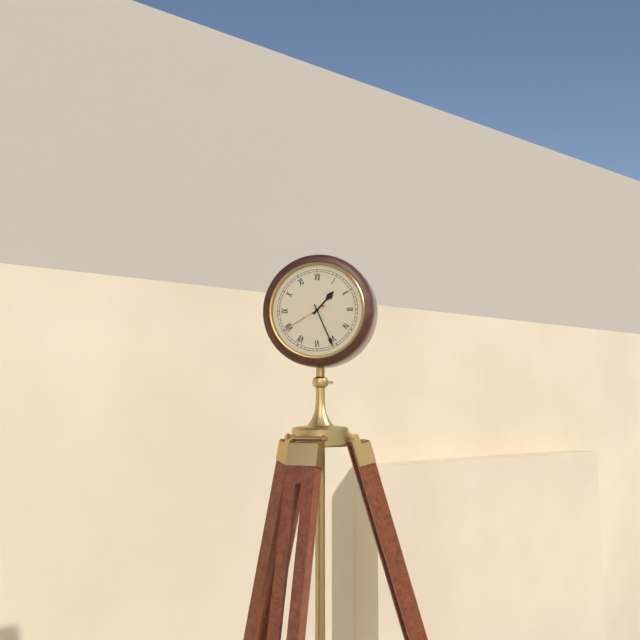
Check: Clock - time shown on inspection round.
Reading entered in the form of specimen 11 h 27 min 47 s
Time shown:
1 h 26 min 40 s
